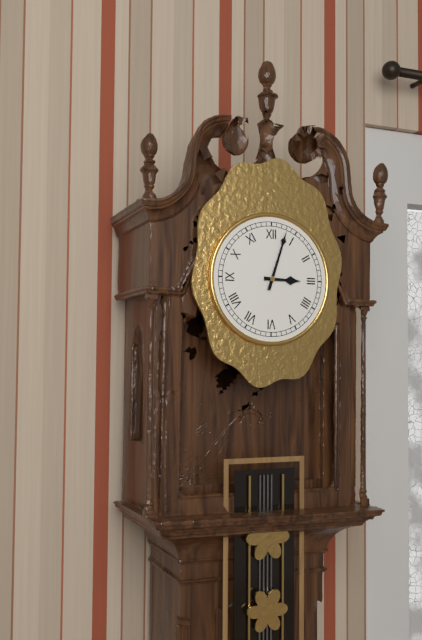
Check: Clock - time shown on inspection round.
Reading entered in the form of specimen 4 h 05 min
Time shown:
3 h 03 min
